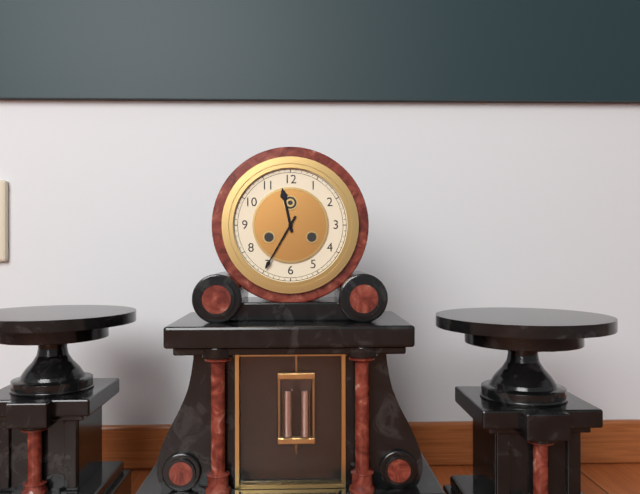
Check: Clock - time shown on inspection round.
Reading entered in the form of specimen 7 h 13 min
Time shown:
11 h 35 min
